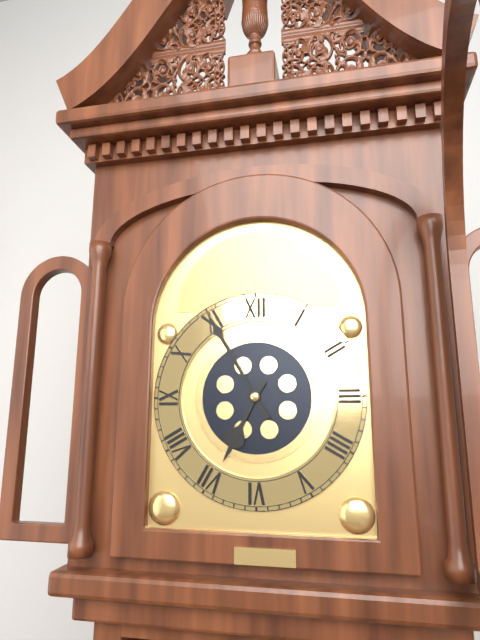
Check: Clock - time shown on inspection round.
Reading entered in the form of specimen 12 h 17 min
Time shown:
6 h 55 min
